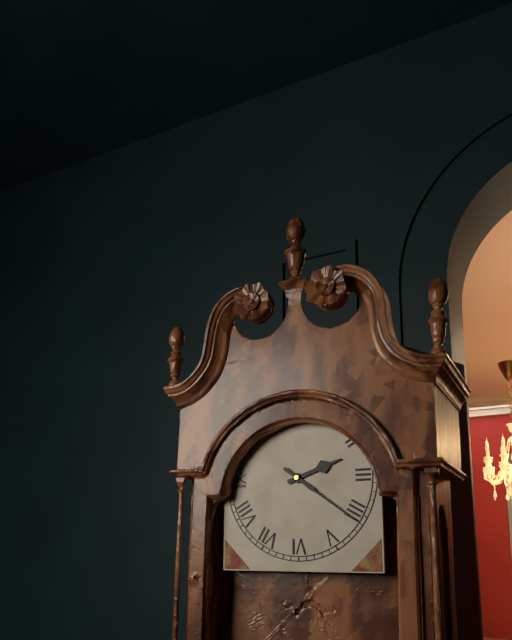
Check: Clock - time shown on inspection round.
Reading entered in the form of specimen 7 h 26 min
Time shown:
2 h 21 min
